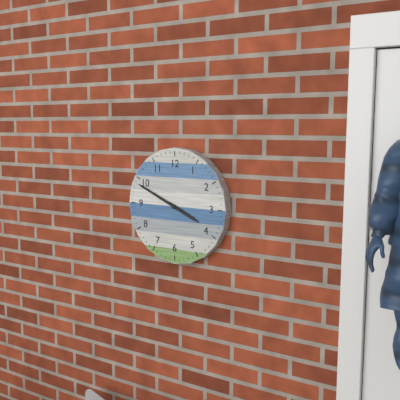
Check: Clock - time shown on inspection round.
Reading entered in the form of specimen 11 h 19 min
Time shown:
3 h 49 min
